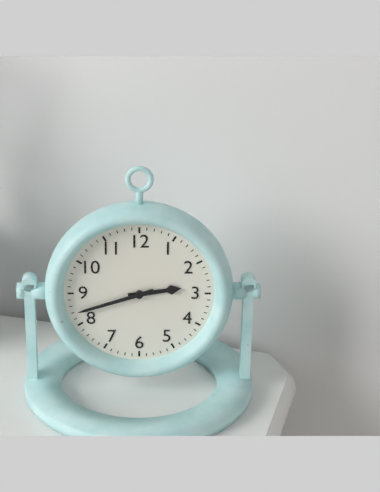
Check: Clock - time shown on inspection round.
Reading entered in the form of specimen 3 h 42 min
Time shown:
2 h 42 min
